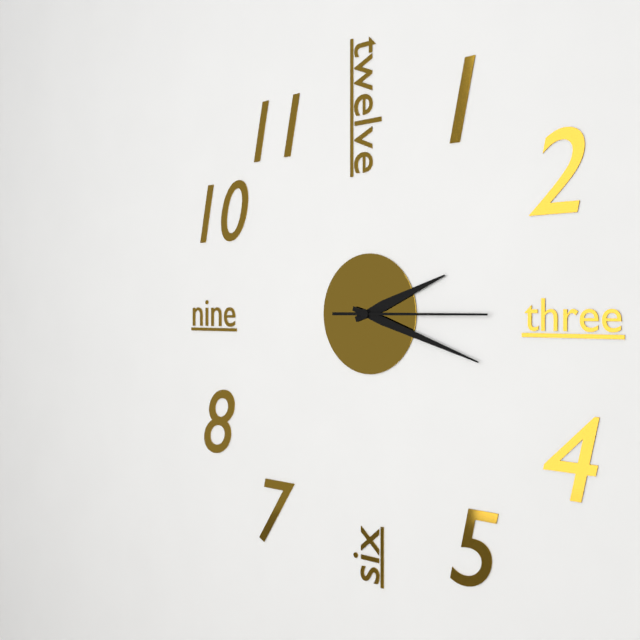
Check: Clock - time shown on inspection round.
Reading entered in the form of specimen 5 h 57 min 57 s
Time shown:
2 h 18 min 15 s
